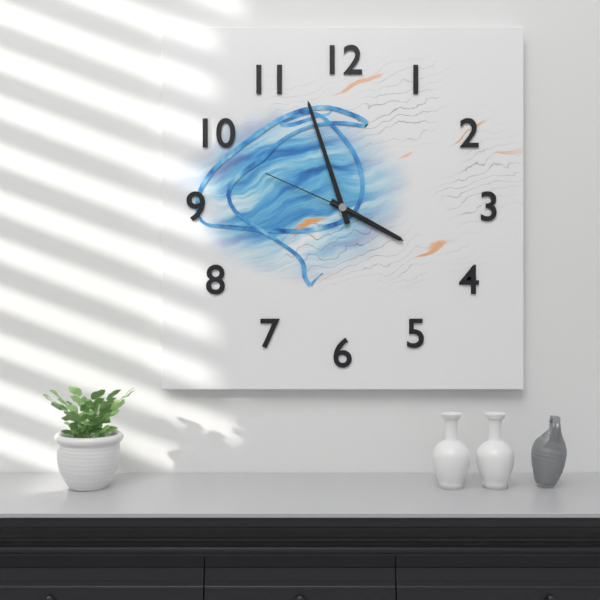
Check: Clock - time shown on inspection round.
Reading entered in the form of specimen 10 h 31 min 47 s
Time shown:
3 h 57 min 49 s
